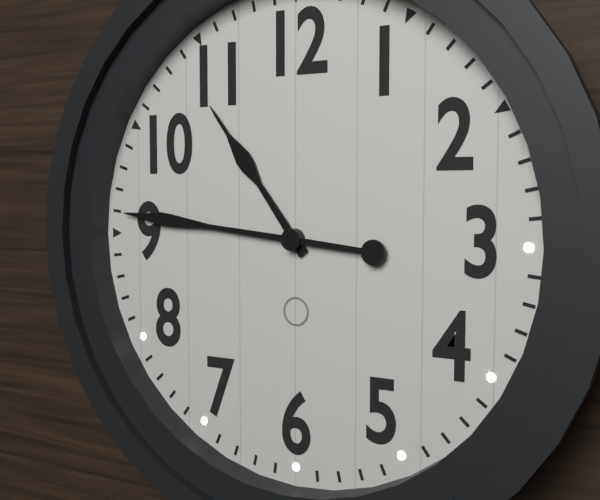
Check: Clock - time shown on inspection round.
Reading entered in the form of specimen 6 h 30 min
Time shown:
10 h 46 min
